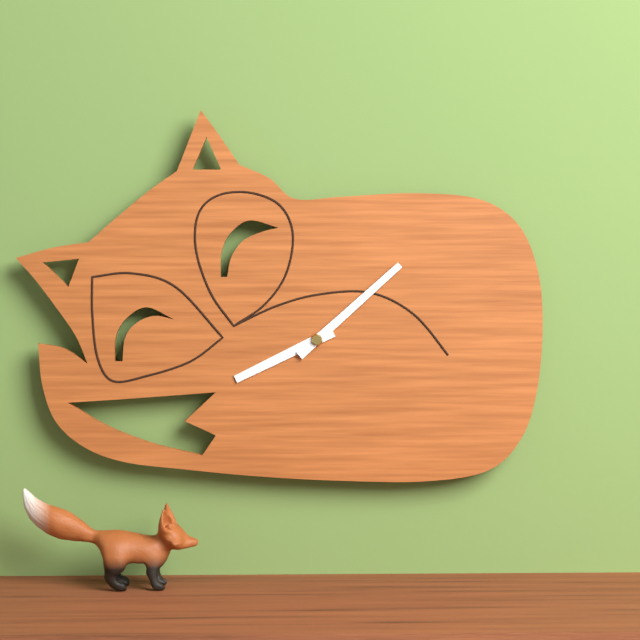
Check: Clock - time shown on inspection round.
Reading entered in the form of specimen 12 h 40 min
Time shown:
8 h 08 min
